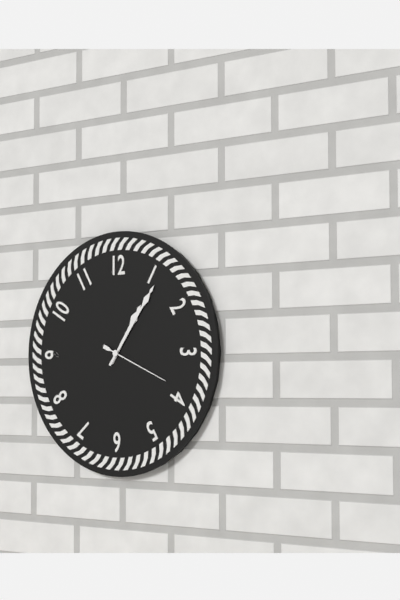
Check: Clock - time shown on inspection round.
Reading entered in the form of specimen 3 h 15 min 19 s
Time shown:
1 h 06 min 19 s
